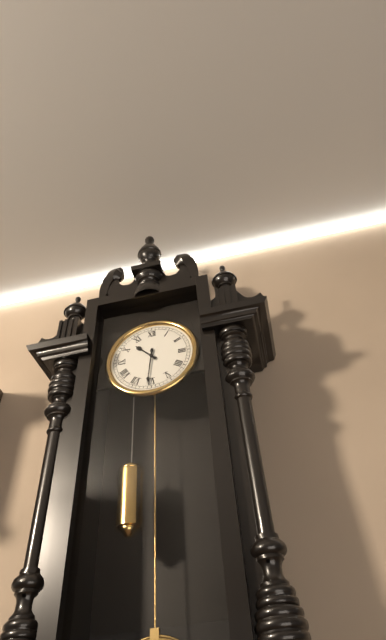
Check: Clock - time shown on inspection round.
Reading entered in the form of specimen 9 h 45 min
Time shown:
10 h 31 min
